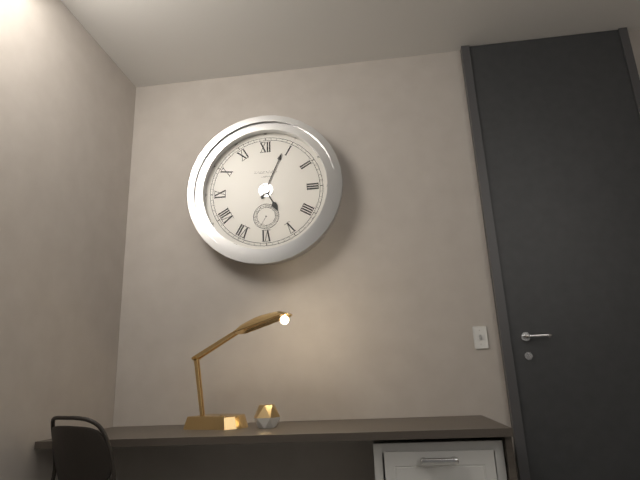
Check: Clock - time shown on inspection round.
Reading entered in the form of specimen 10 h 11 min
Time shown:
5 h 04 min
